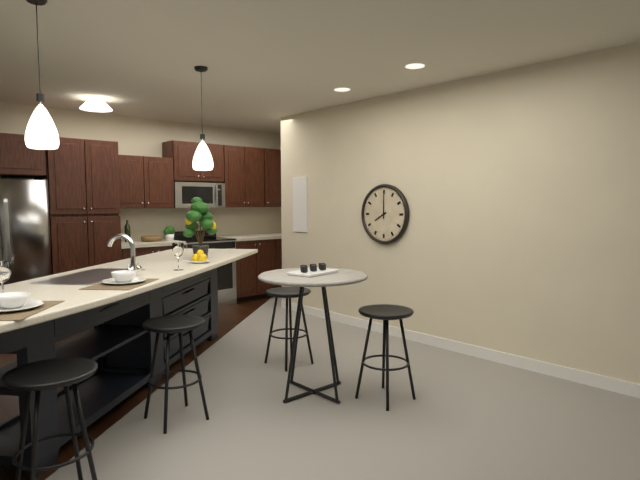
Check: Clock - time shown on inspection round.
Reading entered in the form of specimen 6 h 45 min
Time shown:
8 h 00 min
